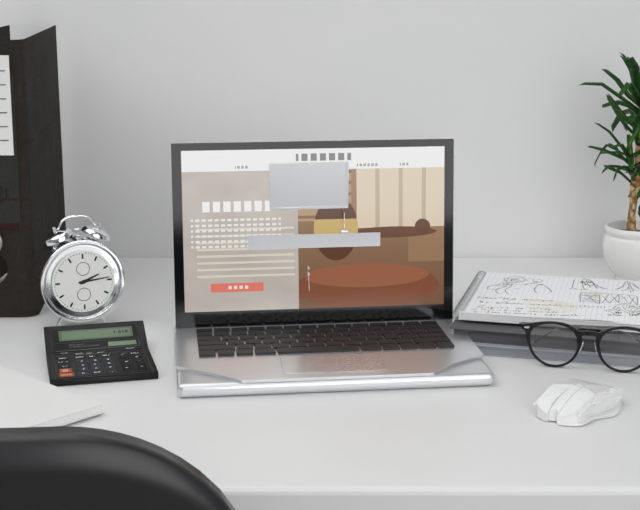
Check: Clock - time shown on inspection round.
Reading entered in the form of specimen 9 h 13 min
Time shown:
2 h 14 min
